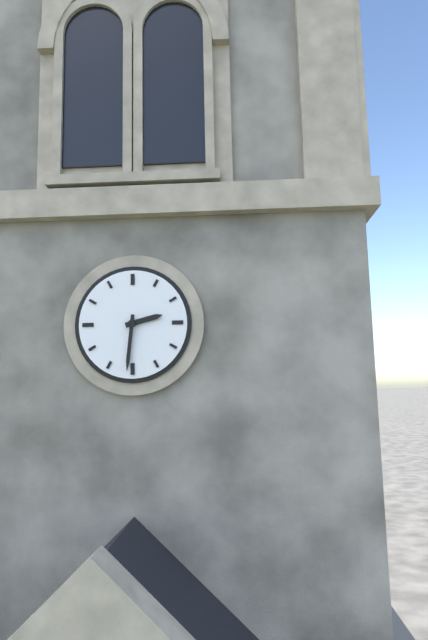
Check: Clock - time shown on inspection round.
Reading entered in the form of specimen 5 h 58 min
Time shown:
2 h 31 min
